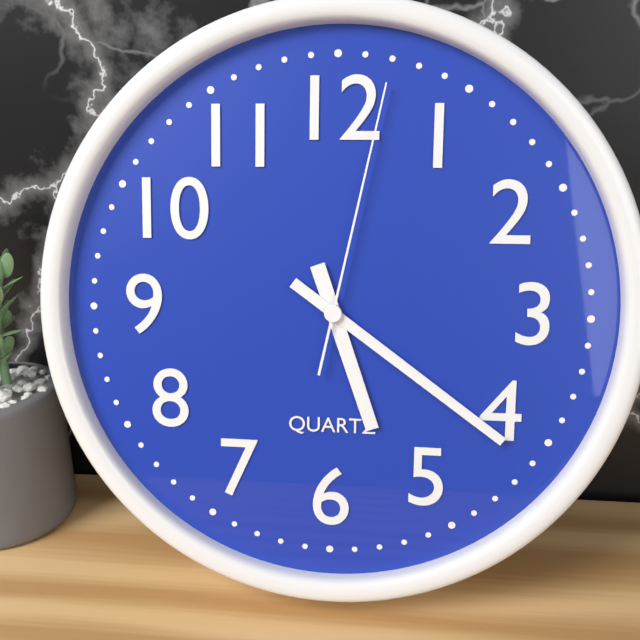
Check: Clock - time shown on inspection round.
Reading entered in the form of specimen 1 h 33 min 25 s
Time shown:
5 h 21 min 02 s
